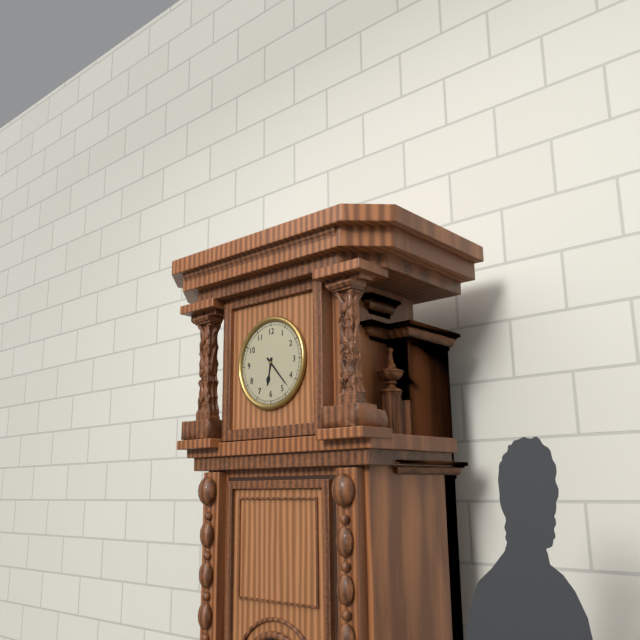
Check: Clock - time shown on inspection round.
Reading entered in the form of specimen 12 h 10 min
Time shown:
6 h 23 min
